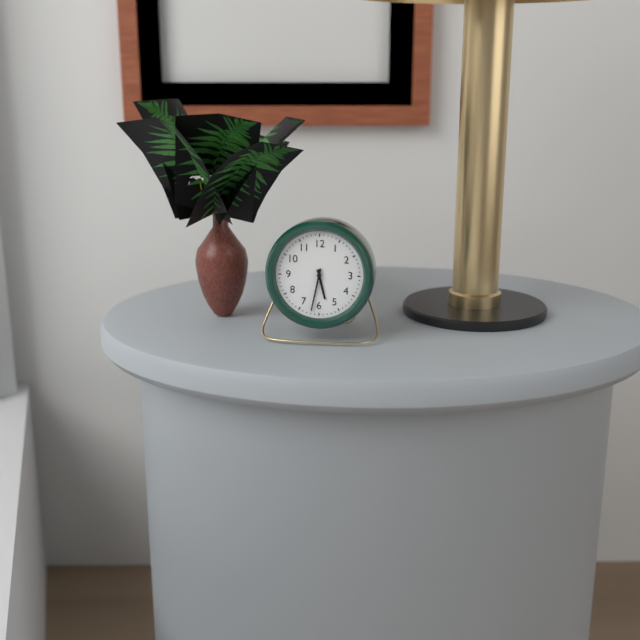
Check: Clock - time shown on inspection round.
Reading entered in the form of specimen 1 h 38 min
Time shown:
5 h 32 min
